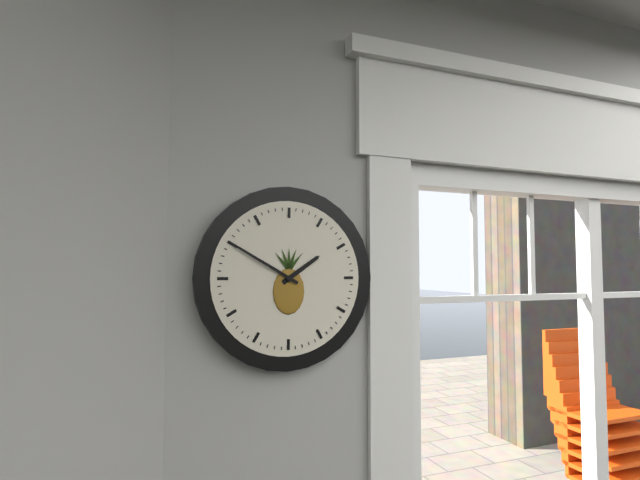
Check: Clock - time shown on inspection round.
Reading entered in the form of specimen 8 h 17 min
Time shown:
1 h 50 min
